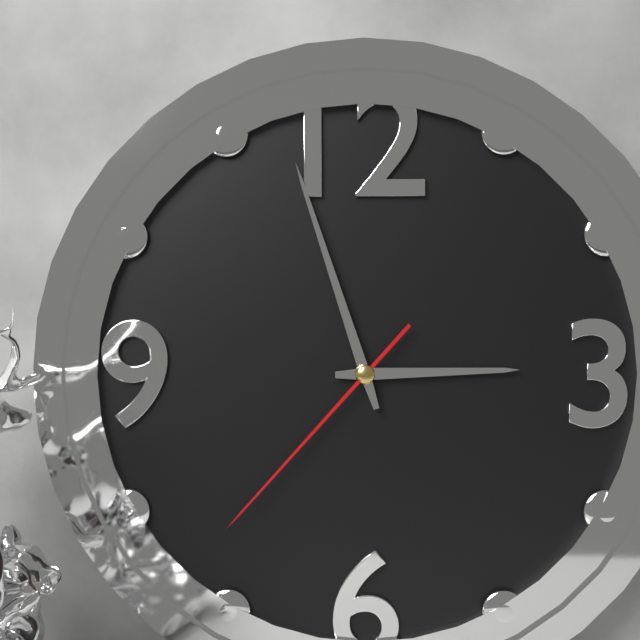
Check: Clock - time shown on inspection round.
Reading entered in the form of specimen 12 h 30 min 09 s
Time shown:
2 h 57 min 37 s
